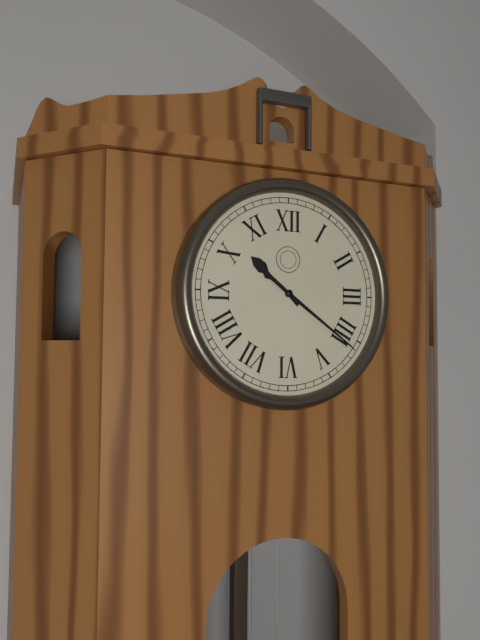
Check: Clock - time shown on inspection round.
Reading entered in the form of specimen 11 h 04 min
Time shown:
10 h 21 min
